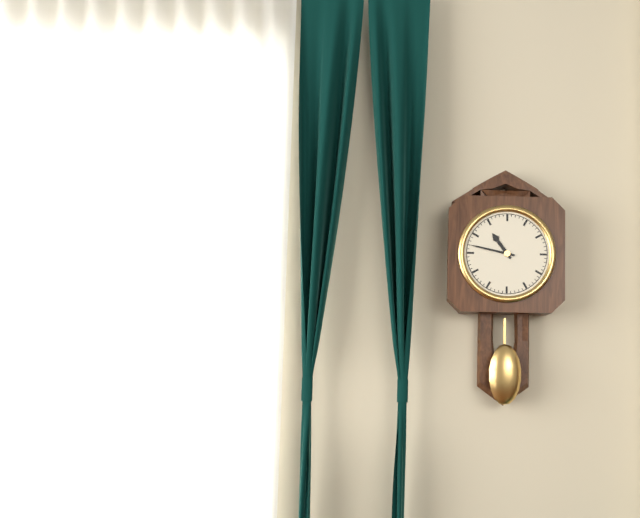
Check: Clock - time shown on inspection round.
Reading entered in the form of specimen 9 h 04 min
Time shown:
10 h 47 min
